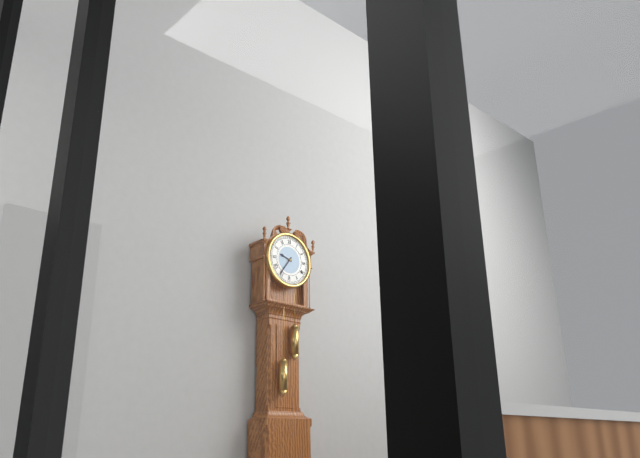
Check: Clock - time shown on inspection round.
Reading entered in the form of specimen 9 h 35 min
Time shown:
9 h 36 min
